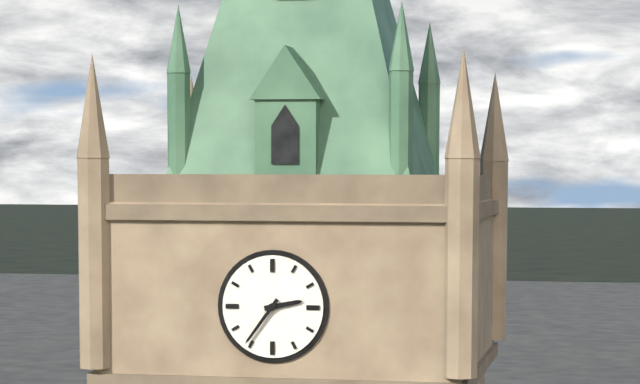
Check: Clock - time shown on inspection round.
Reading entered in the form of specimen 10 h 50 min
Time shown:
2 h 36 min
